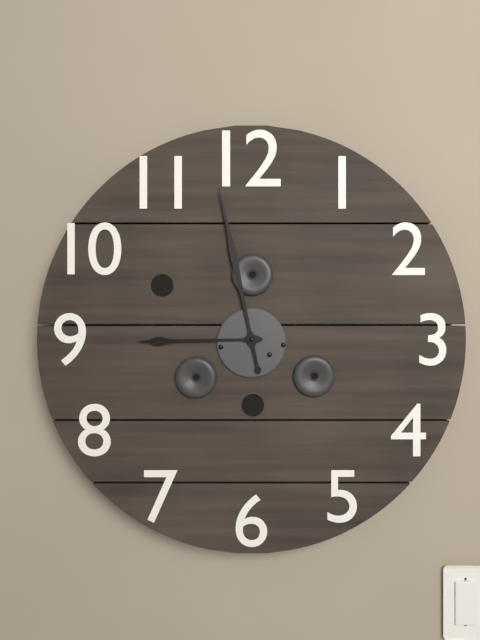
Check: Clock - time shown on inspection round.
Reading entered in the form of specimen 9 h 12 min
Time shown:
8 h 58 min
